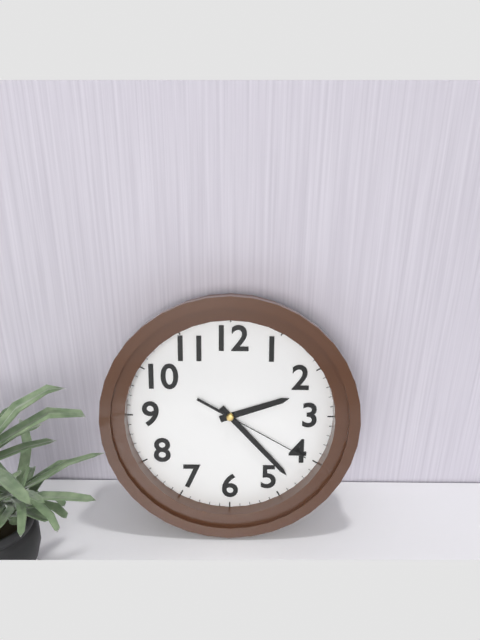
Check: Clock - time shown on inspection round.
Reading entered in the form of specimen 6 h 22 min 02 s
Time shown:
2 h 23 min 20 s
